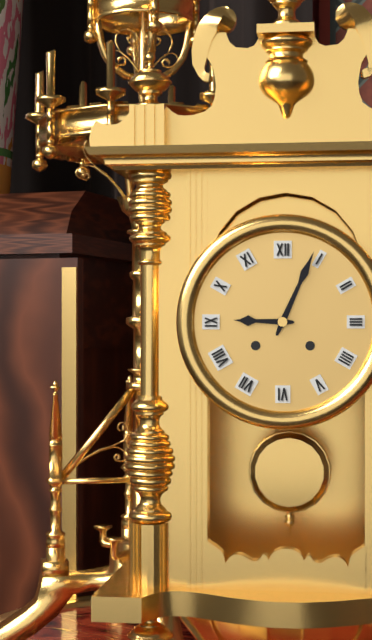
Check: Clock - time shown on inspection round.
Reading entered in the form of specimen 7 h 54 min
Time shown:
9 h 04 min
